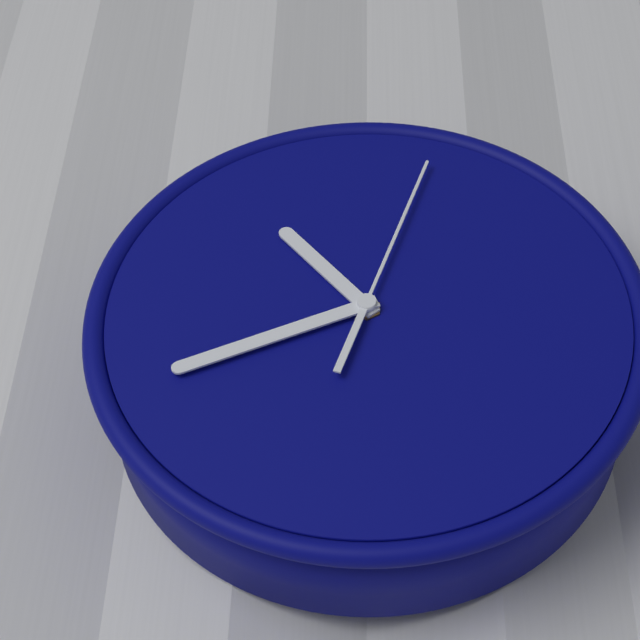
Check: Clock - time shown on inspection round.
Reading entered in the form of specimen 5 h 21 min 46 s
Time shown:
10 h 41 min 03 s
